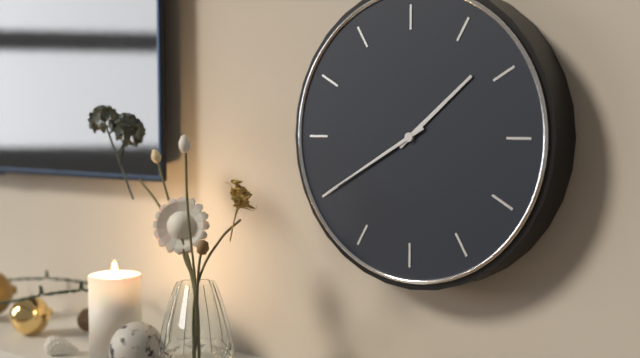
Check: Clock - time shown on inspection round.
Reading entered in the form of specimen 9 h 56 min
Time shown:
1 h 40 min
